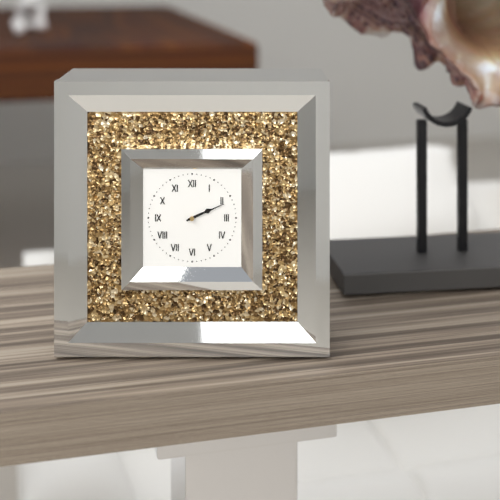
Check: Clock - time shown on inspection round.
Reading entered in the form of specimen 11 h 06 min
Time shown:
2 h 11 min
